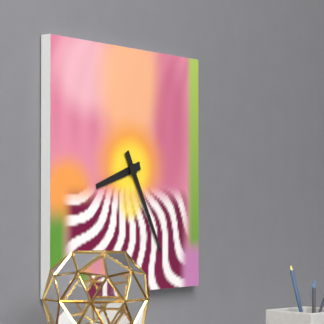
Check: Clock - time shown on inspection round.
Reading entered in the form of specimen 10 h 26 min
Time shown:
8 h 25 min
